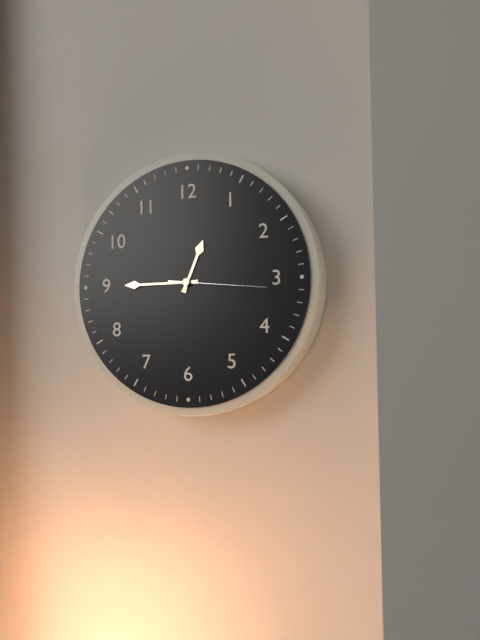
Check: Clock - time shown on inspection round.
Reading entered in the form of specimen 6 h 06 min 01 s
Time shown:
12 h 45 min 16 s
